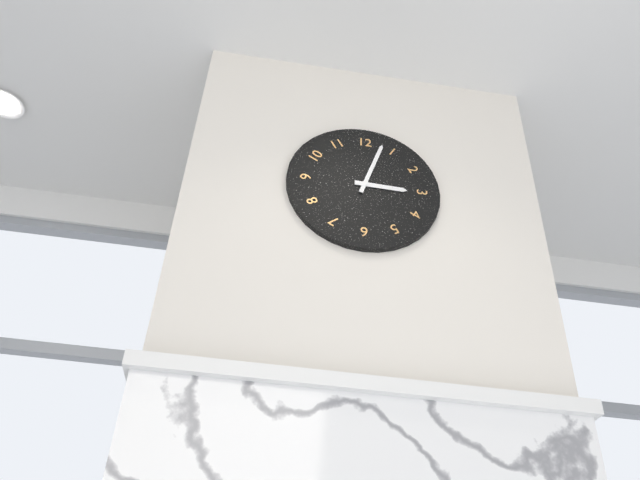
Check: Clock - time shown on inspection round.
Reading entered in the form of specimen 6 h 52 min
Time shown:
3 h 03 min
